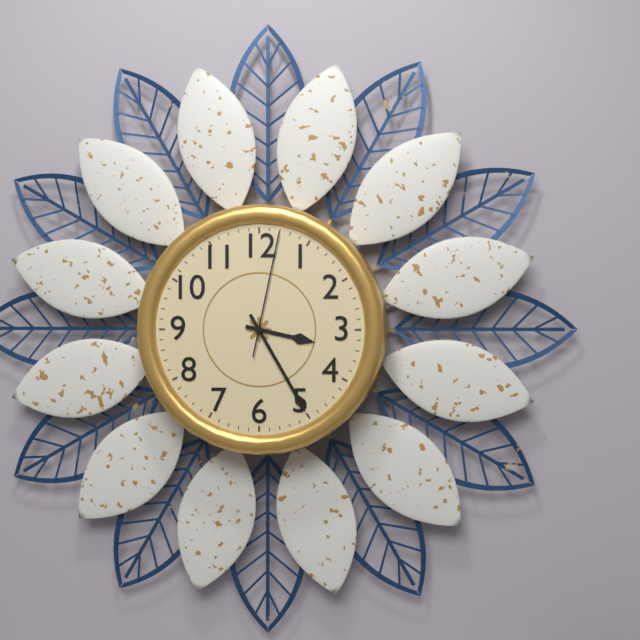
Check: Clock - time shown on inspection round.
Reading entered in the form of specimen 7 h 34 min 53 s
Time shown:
3 h 25 min 02 s
